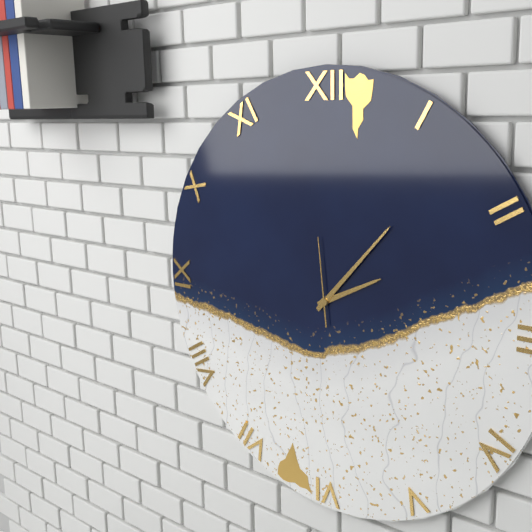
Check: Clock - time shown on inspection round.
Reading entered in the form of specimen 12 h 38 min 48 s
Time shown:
2 h 07 min 59 s
